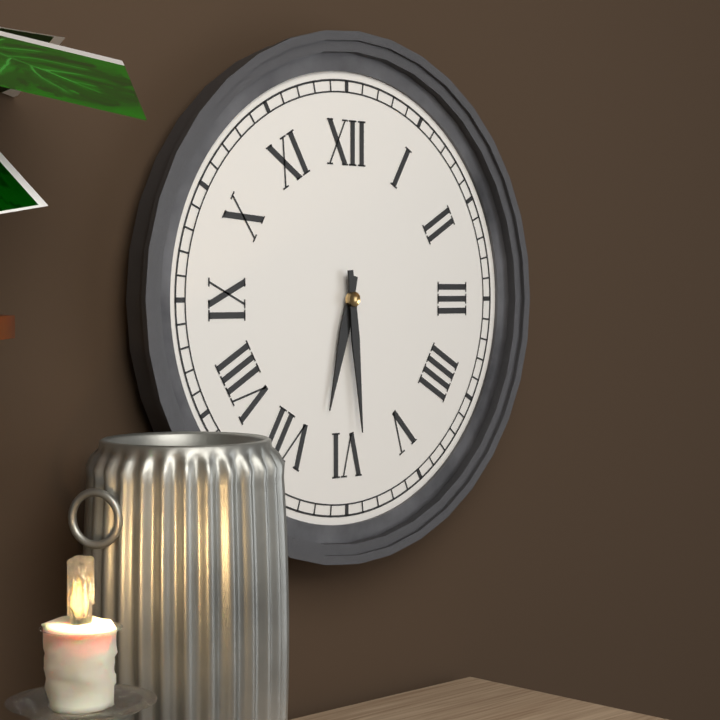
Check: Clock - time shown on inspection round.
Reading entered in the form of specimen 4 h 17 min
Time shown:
6 h 29 min
